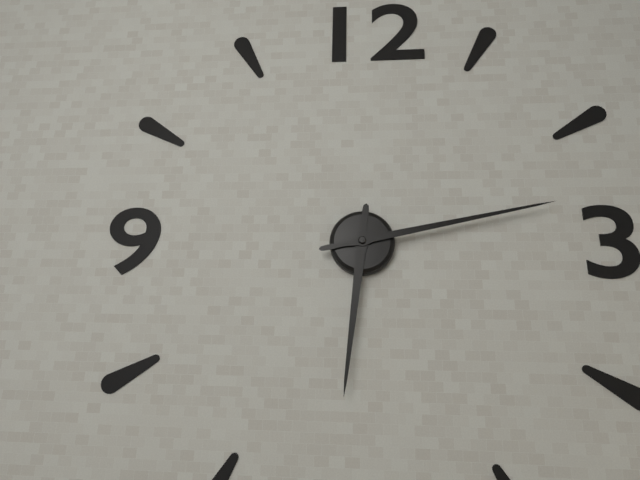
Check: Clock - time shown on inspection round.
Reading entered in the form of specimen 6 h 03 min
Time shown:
6 h 13 min
